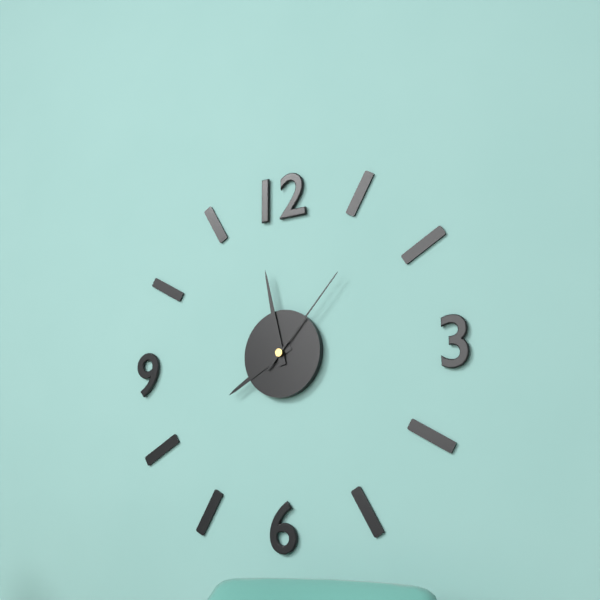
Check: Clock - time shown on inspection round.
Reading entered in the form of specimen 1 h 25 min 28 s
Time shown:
7 h 58 min 07 s
